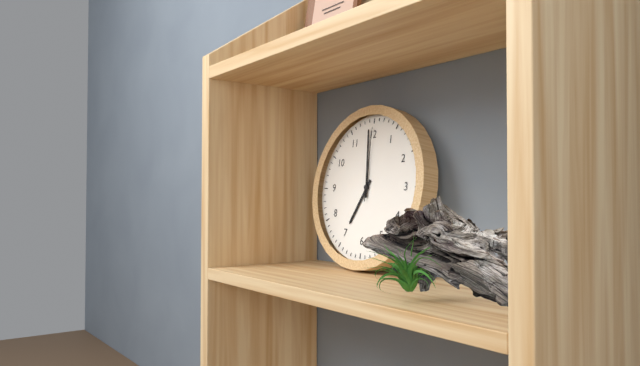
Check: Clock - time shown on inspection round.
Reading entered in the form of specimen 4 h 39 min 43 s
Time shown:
6 h 59 min 00 s
